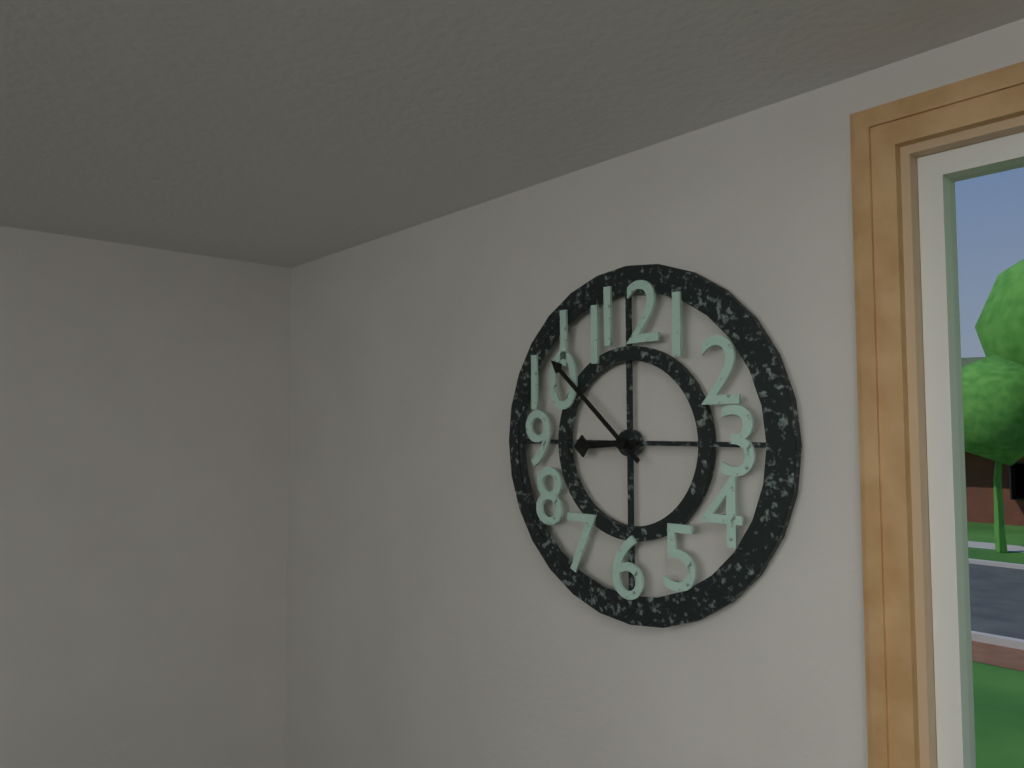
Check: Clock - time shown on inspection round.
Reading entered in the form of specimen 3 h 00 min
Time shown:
8 h 52 min
